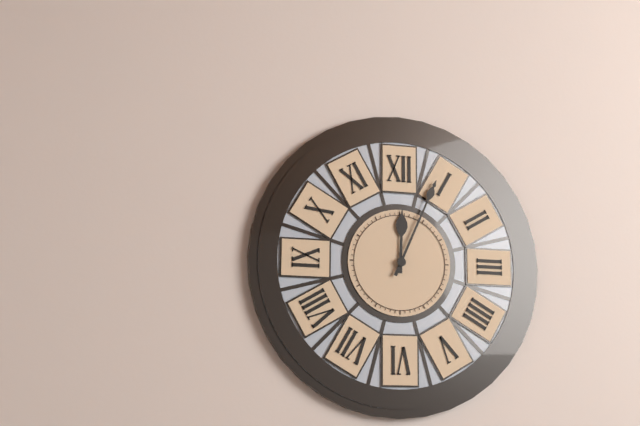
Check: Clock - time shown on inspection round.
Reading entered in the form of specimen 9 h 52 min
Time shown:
12 h 04 min
